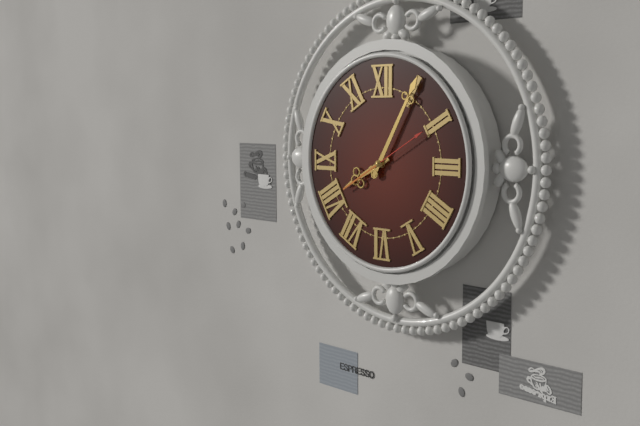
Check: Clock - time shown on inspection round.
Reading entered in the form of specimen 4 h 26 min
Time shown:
8 h 05 min
